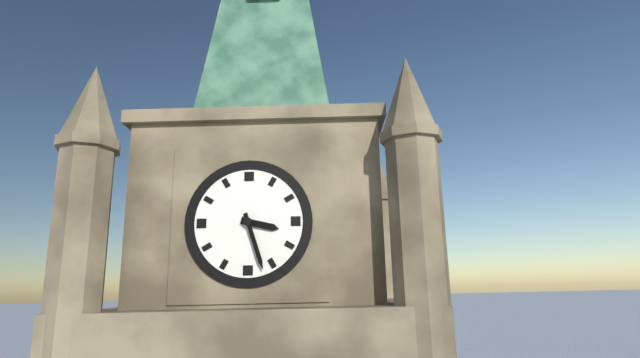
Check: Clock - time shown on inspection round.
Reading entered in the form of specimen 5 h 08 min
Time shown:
3 h 27 min
